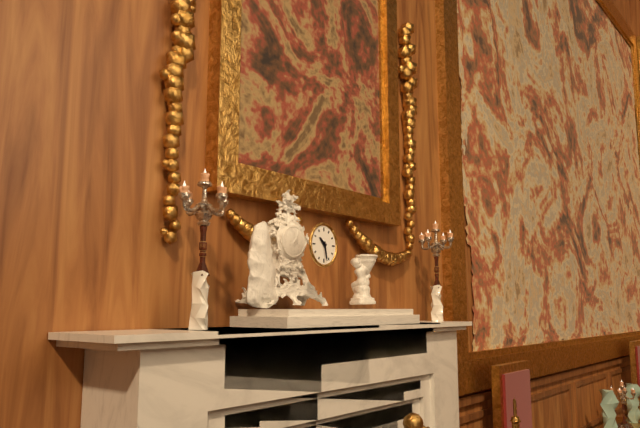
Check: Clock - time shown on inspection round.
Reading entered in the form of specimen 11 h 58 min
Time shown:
10 h 28 min
